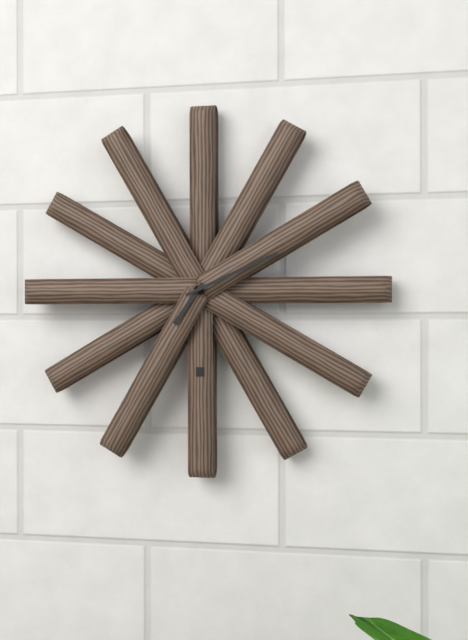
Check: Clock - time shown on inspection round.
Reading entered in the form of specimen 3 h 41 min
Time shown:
7 h 11 min
